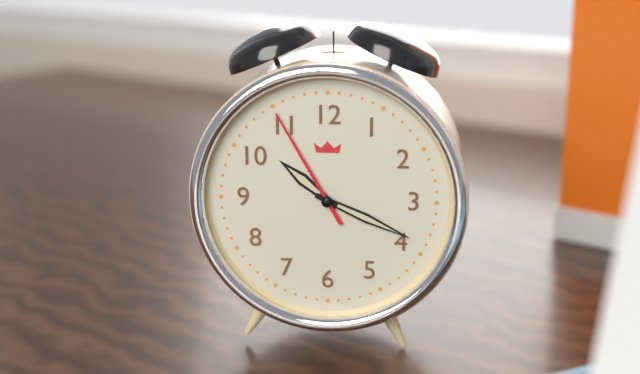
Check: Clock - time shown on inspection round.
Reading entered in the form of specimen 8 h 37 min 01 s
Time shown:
10 h 19 min 55 s
